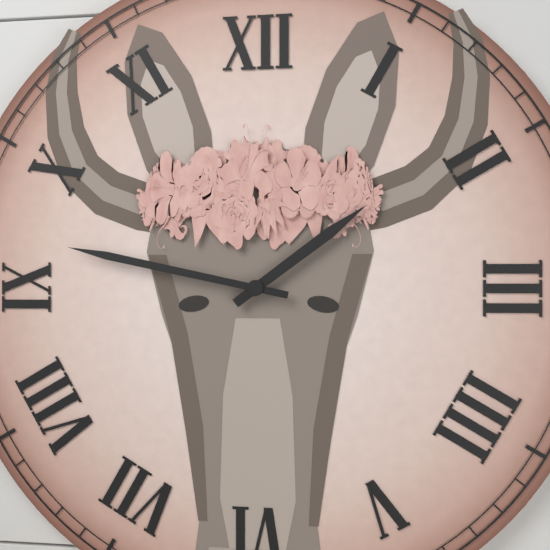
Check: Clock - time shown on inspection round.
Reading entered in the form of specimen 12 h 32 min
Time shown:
1 h 47 min
